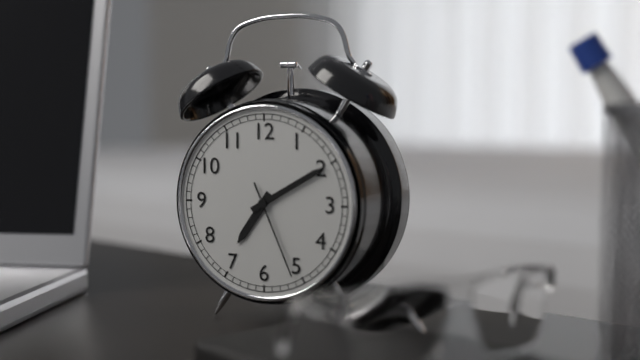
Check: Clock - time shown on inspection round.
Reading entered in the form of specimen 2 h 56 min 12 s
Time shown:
7 h 10 min 26 s
